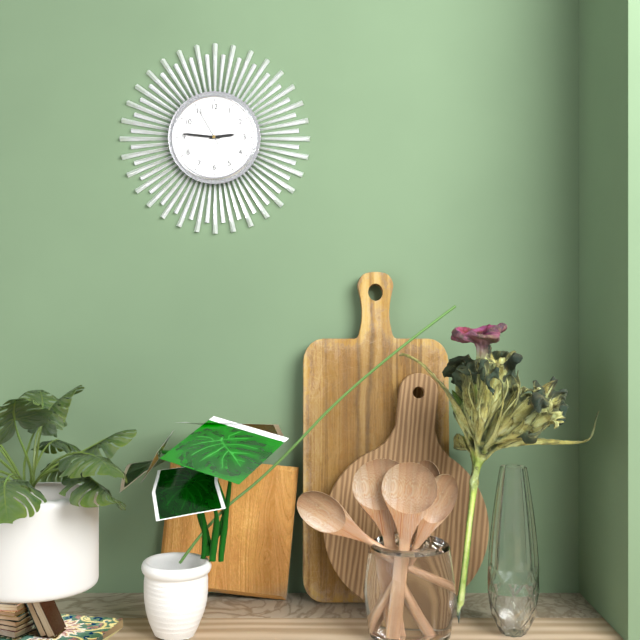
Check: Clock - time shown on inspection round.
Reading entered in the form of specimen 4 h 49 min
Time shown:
2 h 46 min
